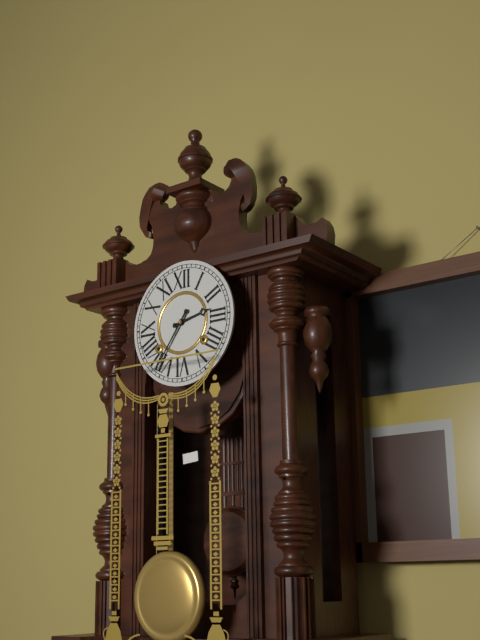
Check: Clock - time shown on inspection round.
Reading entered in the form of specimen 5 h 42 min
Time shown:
2 h 36 min
